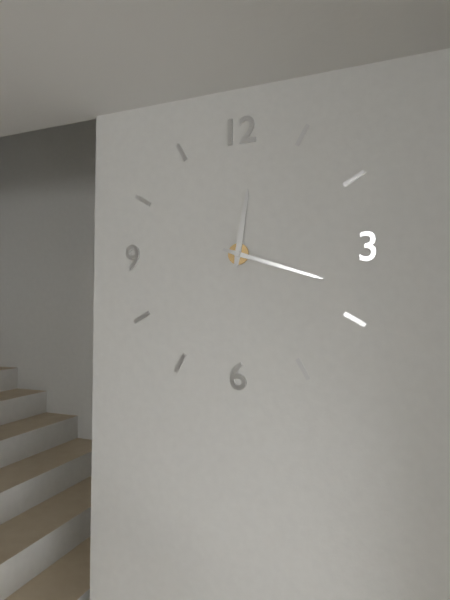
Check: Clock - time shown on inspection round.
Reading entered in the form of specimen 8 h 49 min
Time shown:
12 h 18 min
